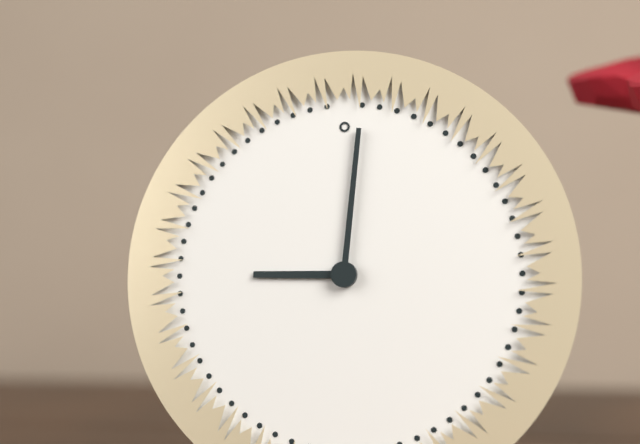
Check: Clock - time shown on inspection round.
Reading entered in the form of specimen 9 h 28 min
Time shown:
9 h 01 min
